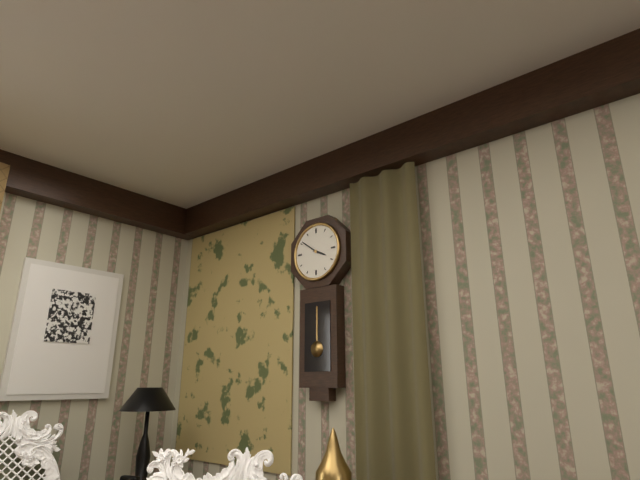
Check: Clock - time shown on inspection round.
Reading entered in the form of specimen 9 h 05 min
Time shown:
3 h 51 min
